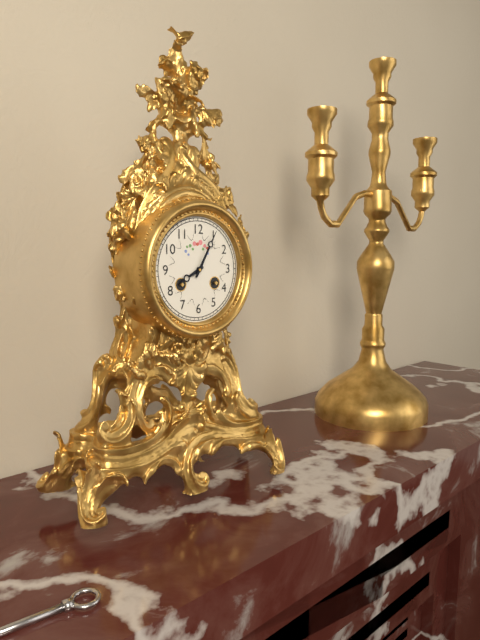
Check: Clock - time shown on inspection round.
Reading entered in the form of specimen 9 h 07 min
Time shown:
8 h 05 min
